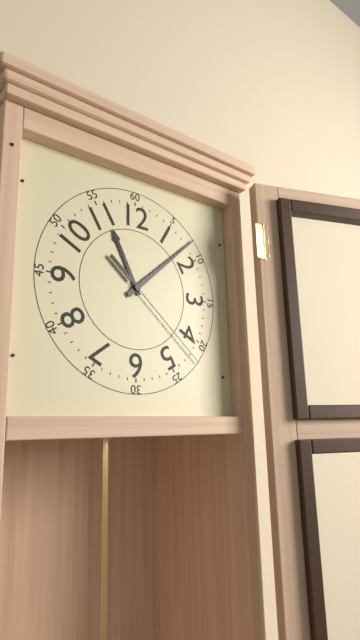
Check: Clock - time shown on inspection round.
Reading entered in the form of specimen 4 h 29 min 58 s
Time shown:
11 h 08 min 22 s
